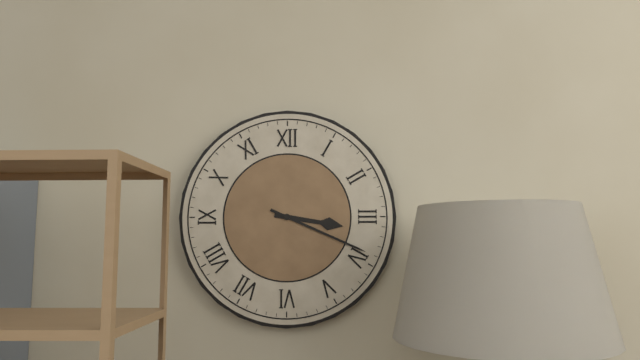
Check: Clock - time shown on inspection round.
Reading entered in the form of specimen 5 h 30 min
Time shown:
3 h 19 min
